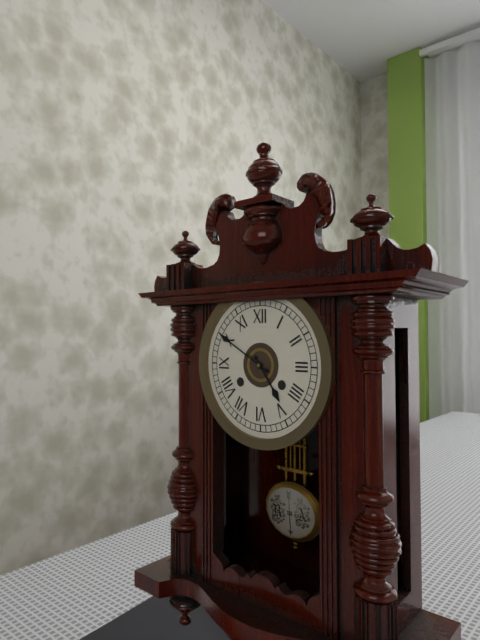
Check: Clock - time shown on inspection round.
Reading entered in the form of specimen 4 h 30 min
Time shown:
4 h 50 min
